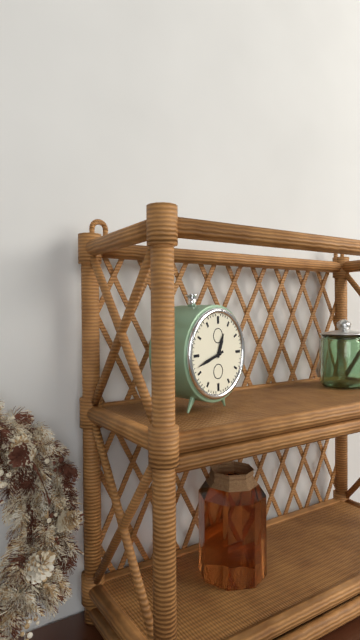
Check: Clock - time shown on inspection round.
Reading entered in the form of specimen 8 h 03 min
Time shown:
12 h 42 min
